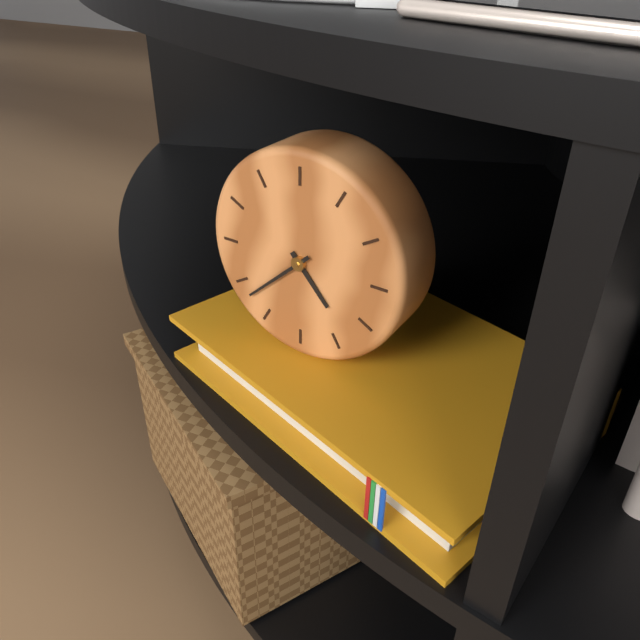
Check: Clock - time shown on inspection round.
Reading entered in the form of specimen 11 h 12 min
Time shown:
4 h 38 min
